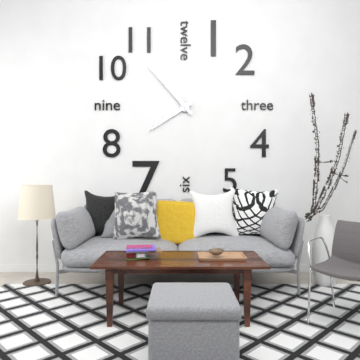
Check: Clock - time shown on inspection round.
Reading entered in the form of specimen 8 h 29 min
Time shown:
7 h 53 min
